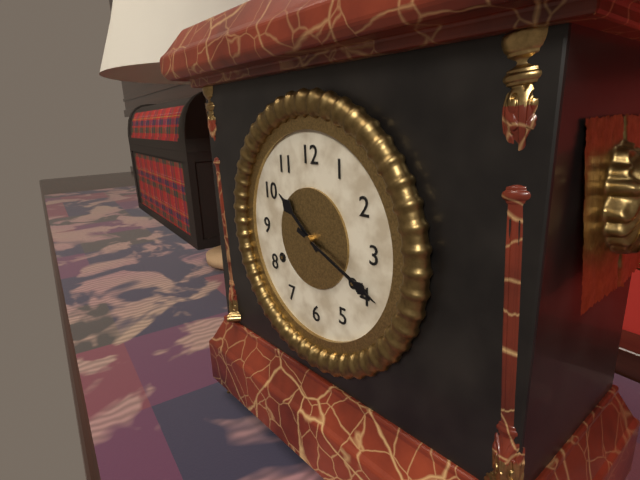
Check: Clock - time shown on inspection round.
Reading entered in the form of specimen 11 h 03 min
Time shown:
10 h 19 min
